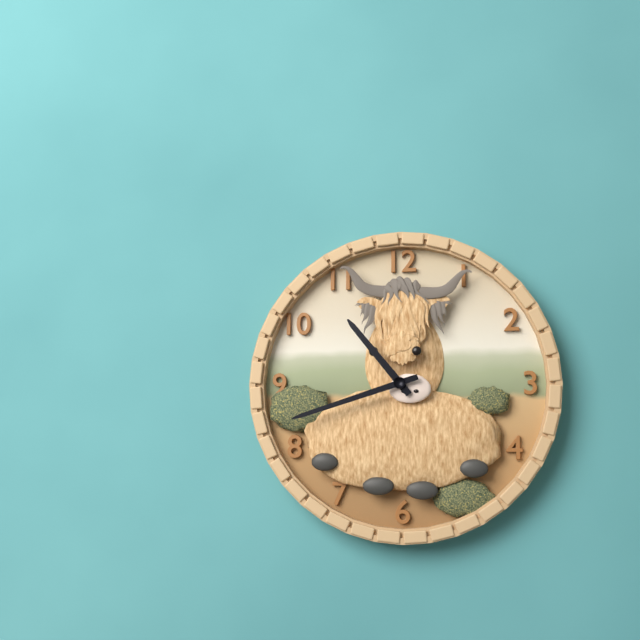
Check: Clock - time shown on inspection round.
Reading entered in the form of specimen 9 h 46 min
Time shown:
10 h 42 min
